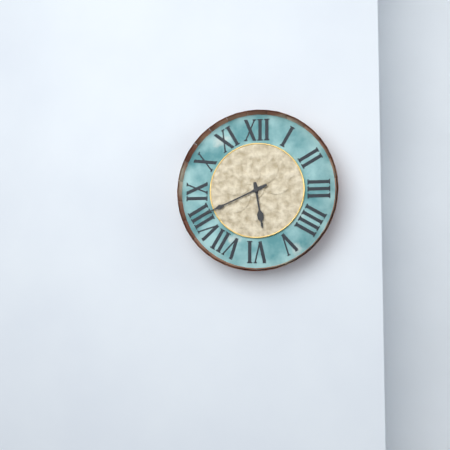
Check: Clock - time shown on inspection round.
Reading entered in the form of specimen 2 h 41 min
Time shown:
5 h 41 min
